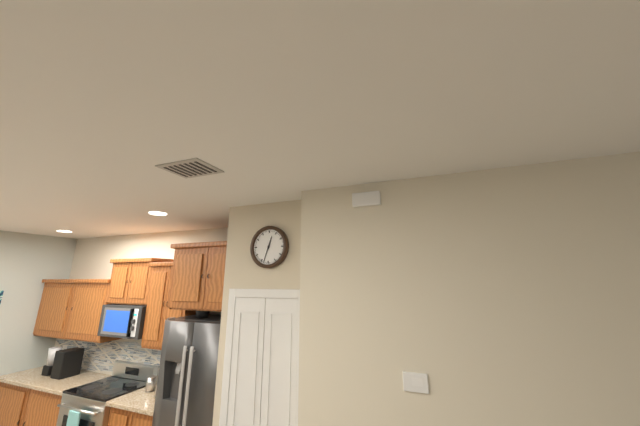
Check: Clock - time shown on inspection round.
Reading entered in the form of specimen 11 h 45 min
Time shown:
12 h 33 min
